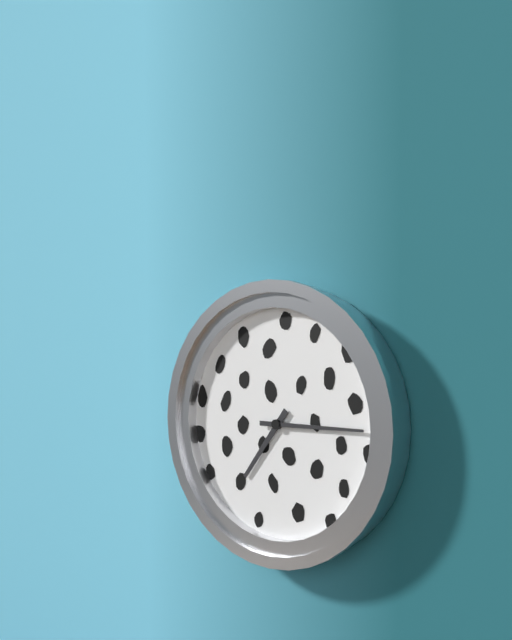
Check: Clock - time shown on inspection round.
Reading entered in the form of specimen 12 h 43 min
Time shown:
7 h 15 min
